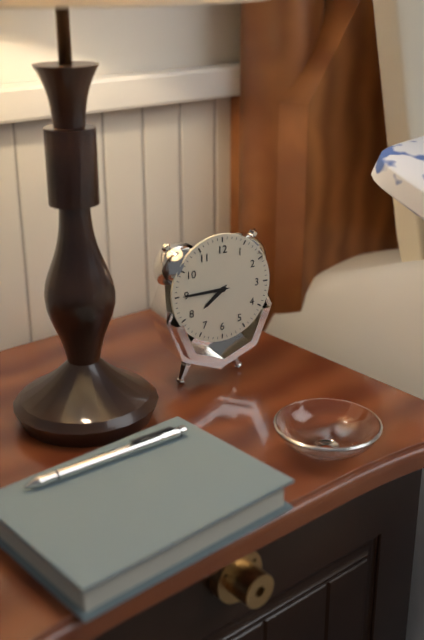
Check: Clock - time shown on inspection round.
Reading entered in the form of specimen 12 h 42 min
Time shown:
7 h 45 min
